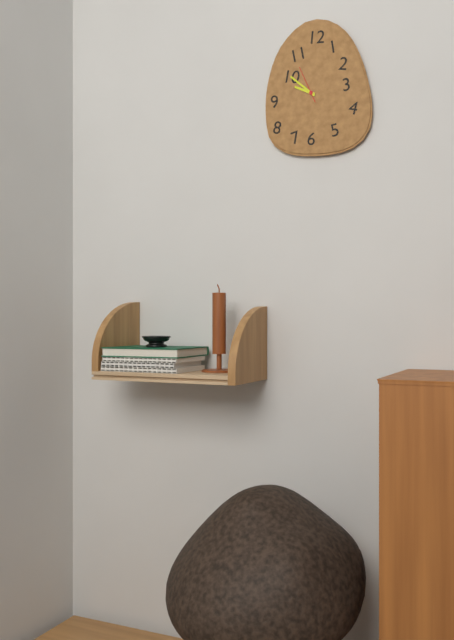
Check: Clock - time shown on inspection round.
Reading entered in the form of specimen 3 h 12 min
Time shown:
9 h 52 min
